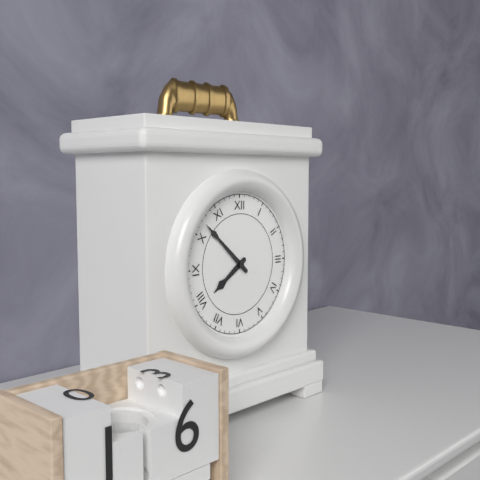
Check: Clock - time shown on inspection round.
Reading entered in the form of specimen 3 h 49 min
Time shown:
7 h 52 min
